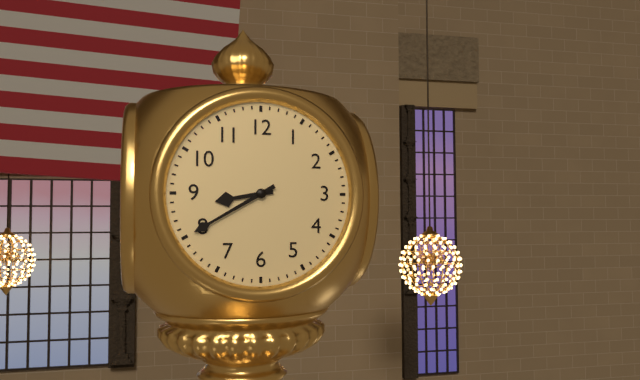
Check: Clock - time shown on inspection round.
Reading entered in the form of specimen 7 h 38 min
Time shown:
8 h 40 min
